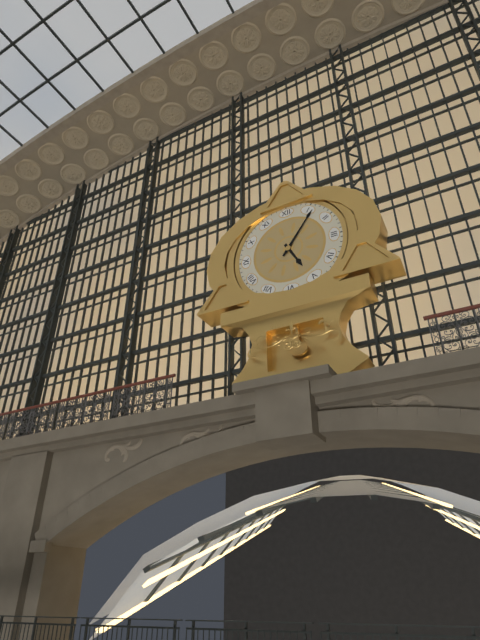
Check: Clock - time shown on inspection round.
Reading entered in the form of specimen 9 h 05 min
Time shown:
5 h 06 min
